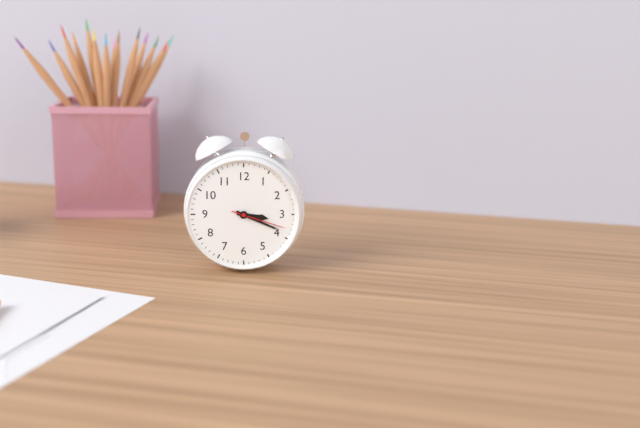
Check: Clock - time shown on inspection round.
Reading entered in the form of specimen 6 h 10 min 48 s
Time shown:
3 h 19 min 18 s
